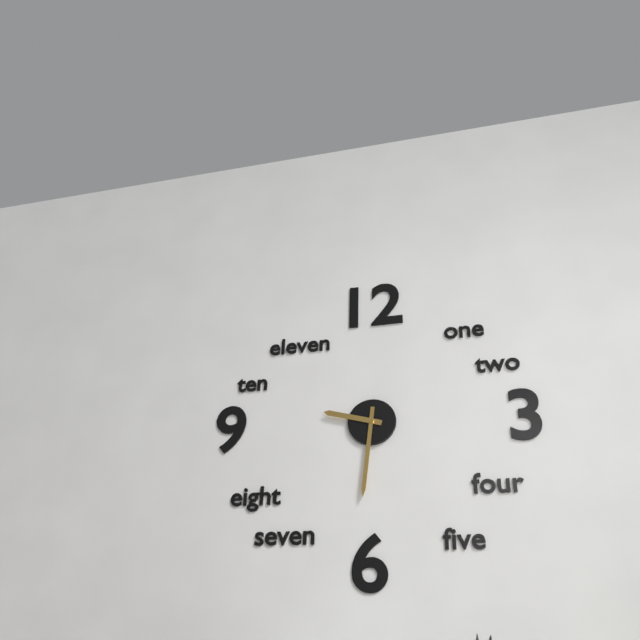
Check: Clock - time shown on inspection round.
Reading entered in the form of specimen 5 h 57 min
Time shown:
9 h 31 min
